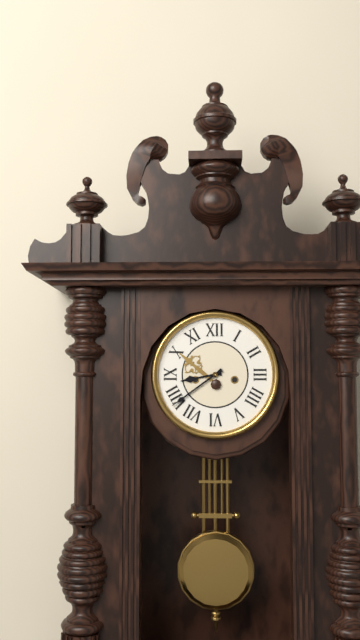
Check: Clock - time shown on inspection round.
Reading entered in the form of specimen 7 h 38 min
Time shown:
8 h 39 min
